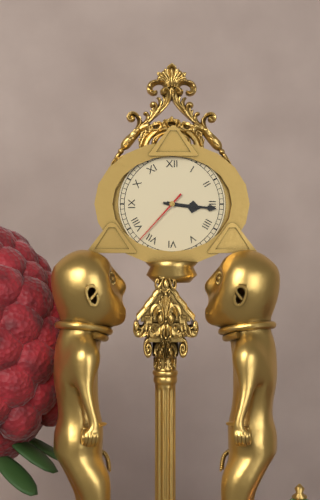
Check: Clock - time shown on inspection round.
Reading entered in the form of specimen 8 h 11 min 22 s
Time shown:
3 h 16 min 37 s
